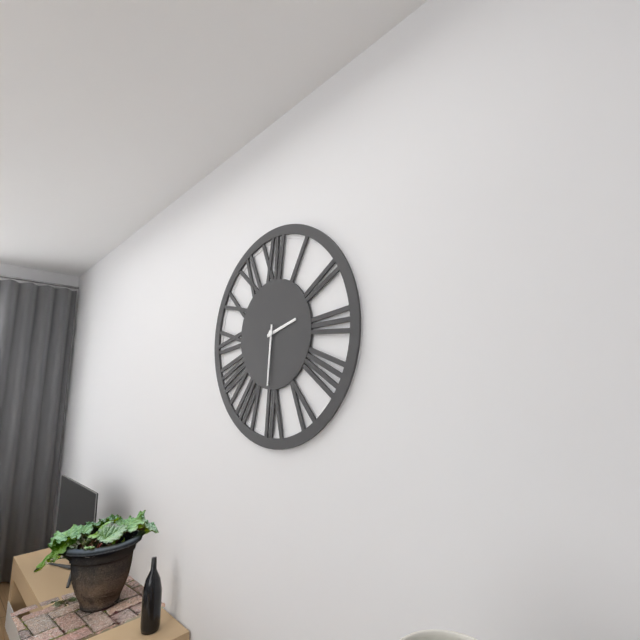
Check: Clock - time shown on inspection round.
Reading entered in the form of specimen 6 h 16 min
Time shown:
2 h 31 min
